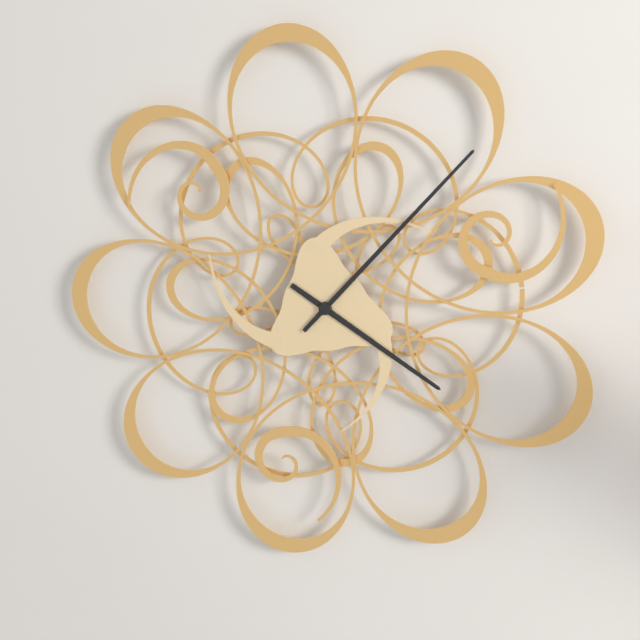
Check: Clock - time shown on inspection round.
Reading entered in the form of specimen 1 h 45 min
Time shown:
4 h 07 min
